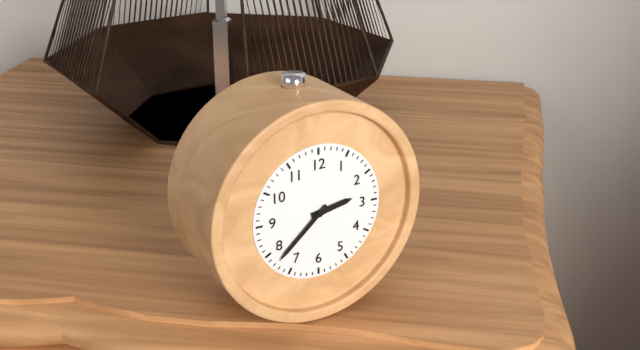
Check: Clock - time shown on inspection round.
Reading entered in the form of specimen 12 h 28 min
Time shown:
2 h 38 min
